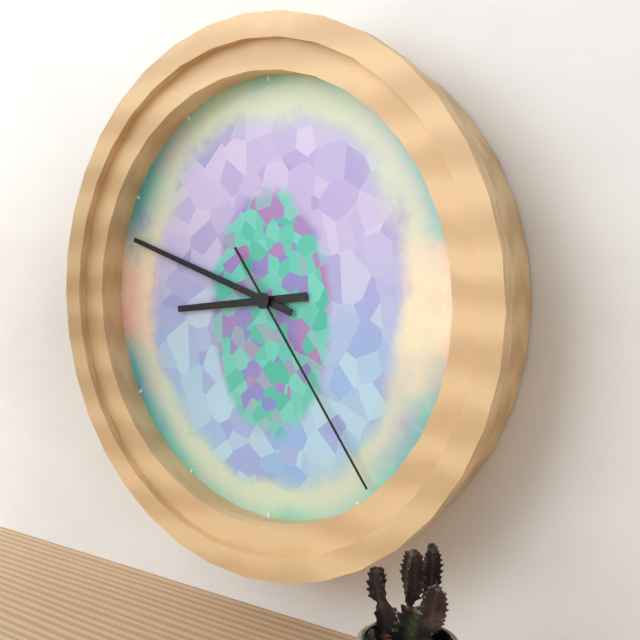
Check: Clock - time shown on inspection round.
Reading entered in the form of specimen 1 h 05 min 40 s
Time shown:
8 h 48 min 24 s
